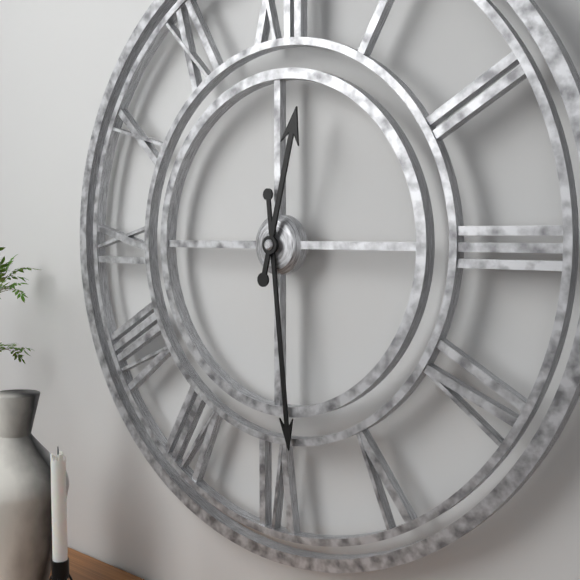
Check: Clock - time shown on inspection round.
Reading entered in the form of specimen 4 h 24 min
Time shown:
12 h 29 min
